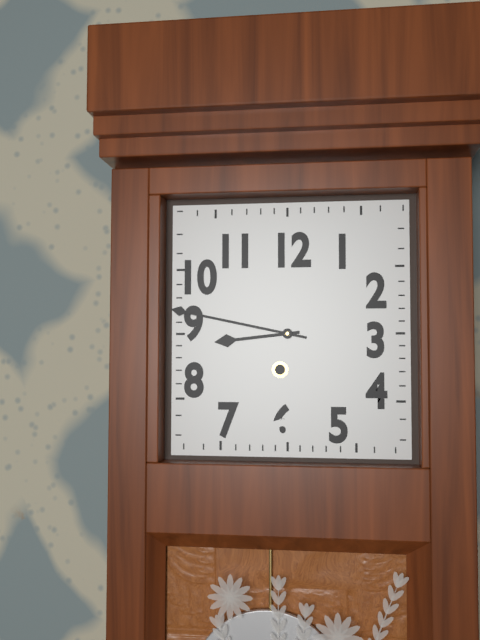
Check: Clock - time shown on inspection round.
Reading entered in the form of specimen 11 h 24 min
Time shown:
8 h 47 min
